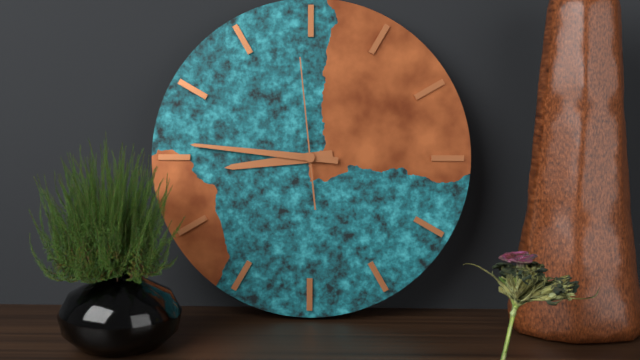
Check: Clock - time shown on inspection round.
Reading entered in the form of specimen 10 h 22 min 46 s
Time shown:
8 h 46 min 59 s
